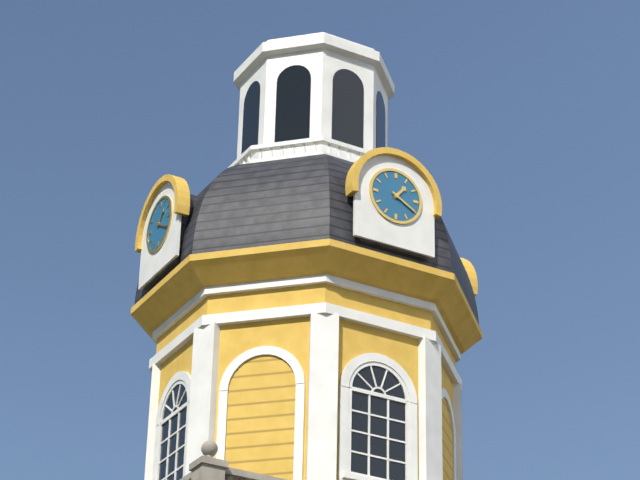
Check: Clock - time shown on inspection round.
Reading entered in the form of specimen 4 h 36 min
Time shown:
1 h 20 min
